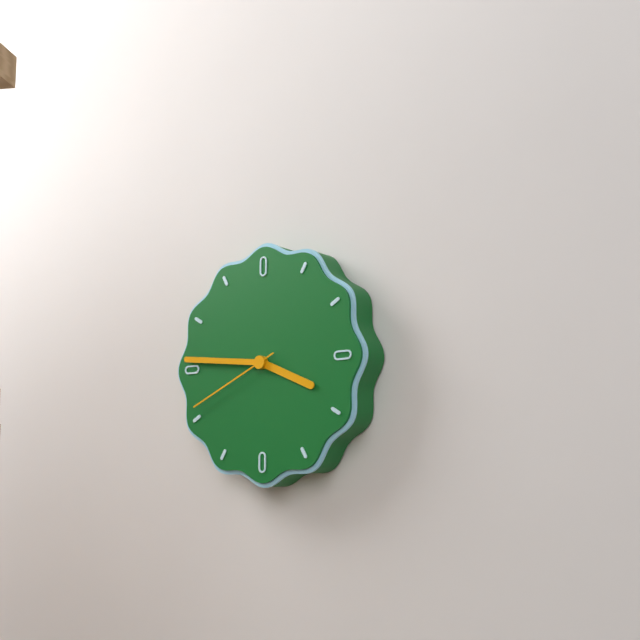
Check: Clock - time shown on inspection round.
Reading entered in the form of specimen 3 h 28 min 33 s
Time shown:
3 h 46 min 41 s
